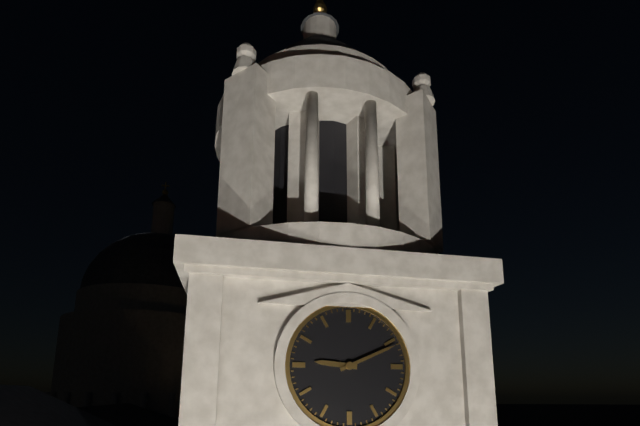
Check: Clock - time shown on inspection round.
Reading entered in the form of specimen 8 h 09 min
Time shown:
9 h 11 min
